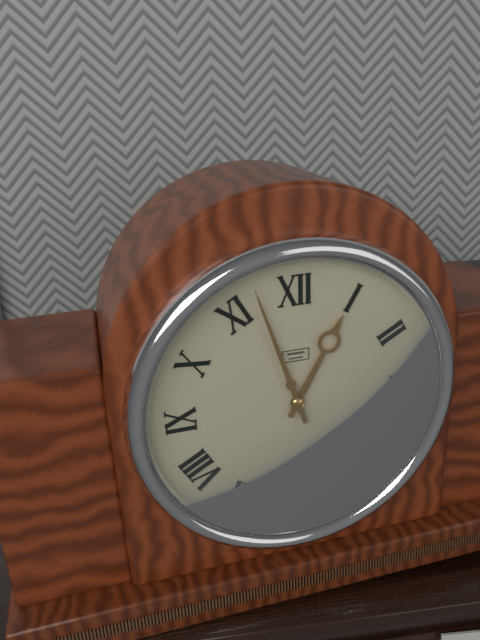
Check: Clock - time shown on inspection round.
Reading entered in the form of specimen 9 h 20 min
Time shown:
12 h 57 min
